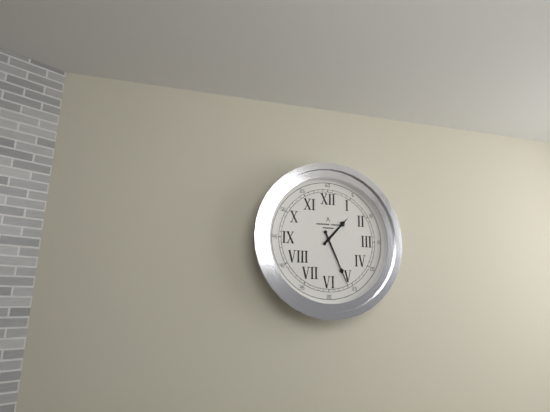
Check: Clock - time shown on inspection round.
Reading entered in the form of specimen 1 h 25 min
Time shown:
1 h 26 min
